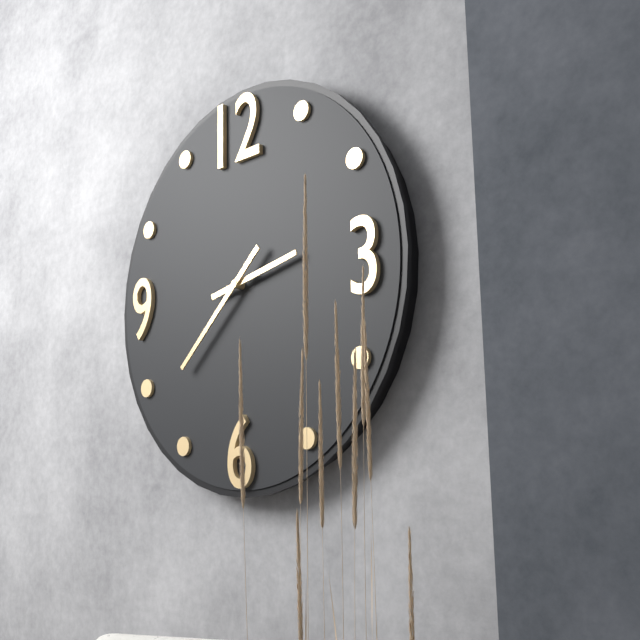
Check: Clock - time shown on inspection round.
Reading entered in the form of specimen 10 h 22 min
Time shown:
2 h 38 min
